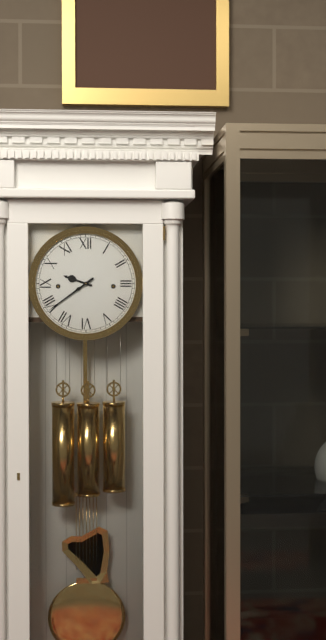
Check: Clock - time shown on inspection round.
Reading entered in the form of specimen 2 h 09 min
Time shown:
9 h 39 min
